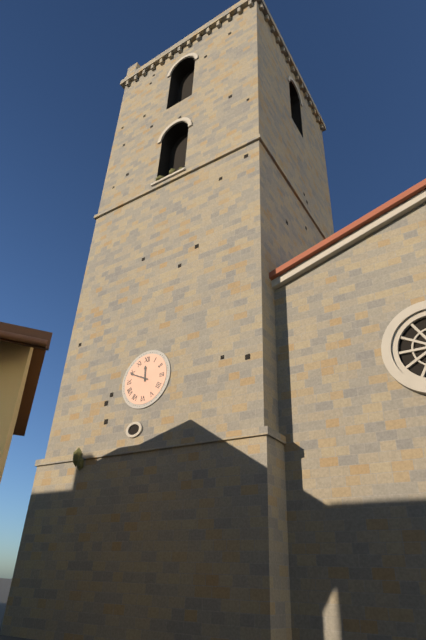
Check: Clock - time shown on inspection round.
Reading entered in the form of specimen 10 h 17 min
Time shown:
11 h 49 min
